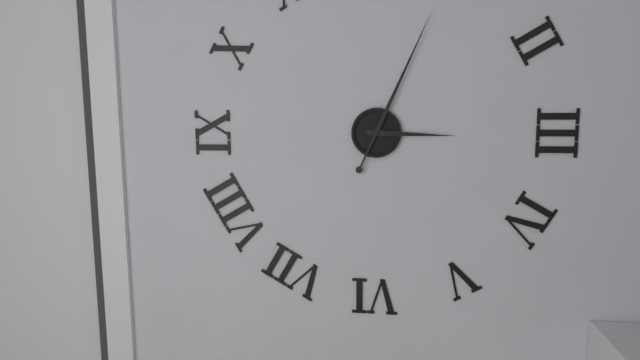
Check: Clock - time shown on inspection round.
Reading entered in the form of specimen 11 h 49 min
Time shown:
3 h 04 min
